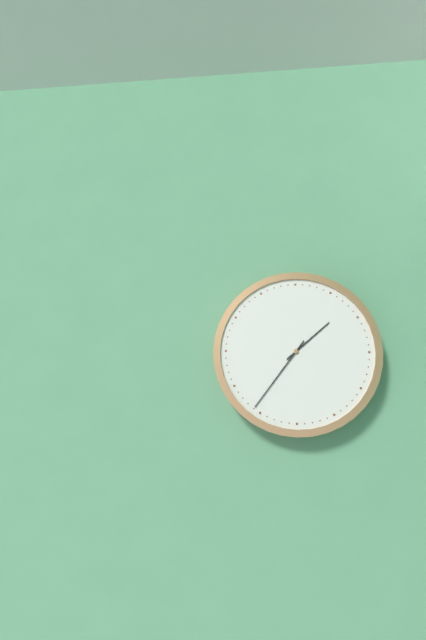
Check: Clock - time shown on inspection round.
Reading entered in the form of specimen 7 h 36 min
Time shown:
1 h 36 min
